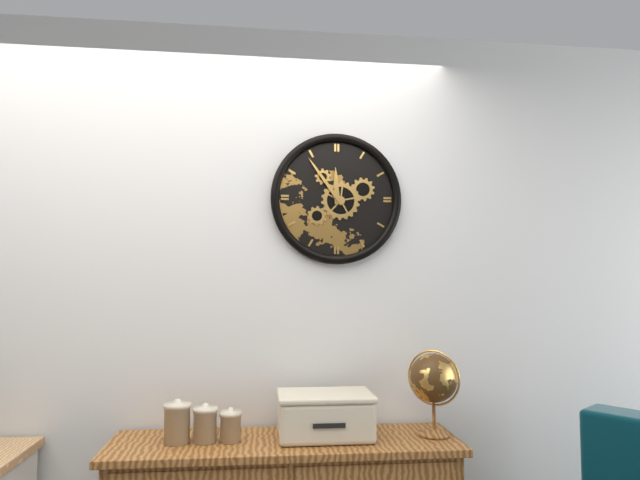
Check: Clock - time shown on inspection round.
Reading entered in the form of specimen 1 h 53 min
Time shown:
11 h 54 min
